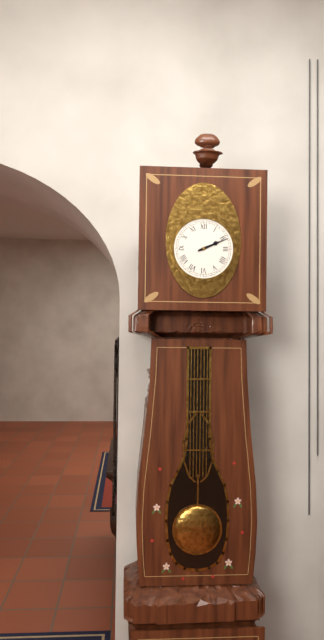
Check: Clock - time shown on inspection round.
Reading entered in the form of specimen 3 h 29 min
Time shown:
2 h 11 min
